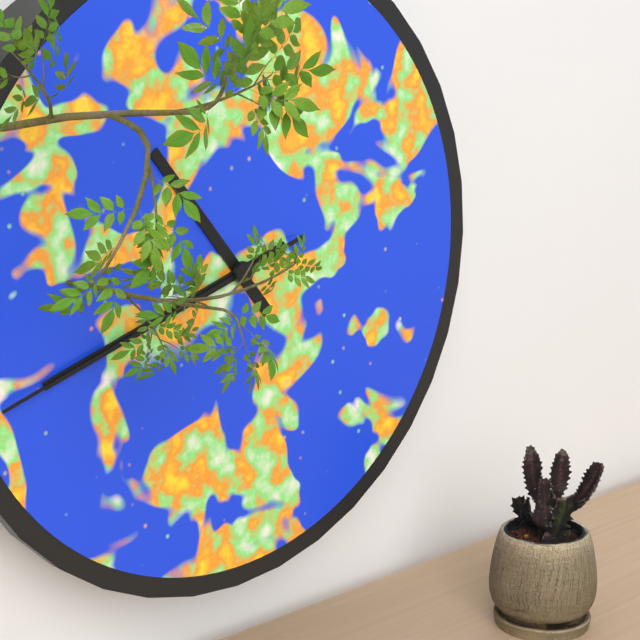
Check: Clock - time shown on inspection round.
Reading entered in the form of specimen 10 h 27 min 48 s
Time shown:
10 h 42 min 42 s
